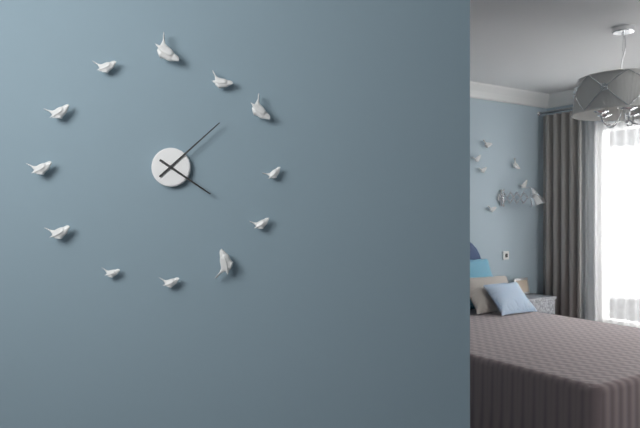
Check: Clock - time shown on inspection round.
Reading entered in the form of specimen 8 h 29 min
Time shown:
4 h 08 min
